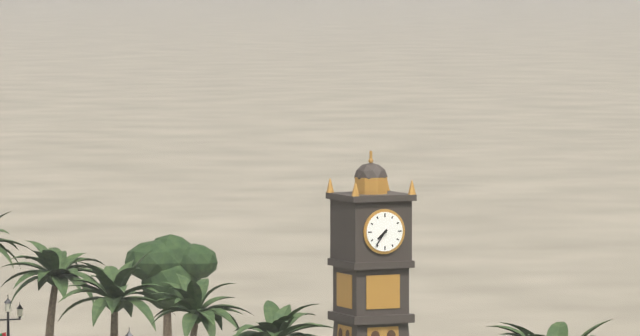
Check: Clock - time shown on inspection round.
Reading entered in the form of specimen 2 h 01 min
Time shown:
7 h 36 min
